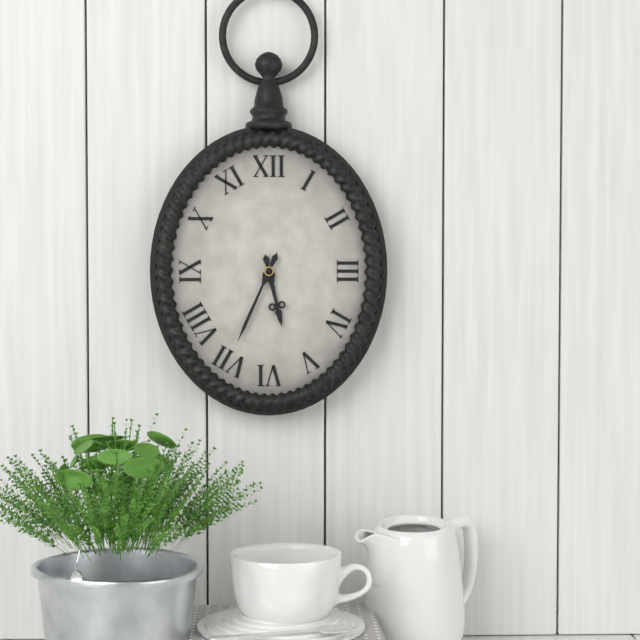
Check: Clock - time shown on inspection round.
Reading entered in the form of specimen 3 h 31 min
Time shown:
5 h 34 min
